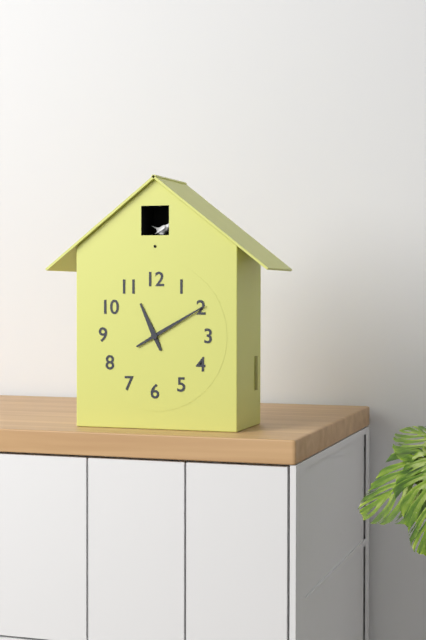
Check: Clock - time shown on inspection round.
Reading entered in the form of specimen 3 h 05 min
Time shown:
11 h 10 min
